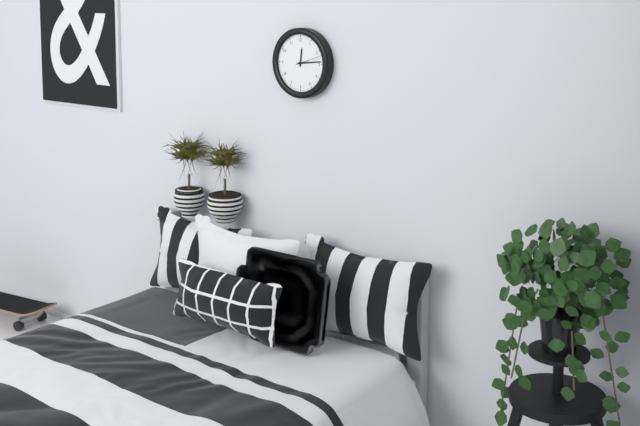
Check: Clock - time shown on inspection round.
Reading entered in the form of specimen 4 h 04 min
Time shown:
12 h 14 min
